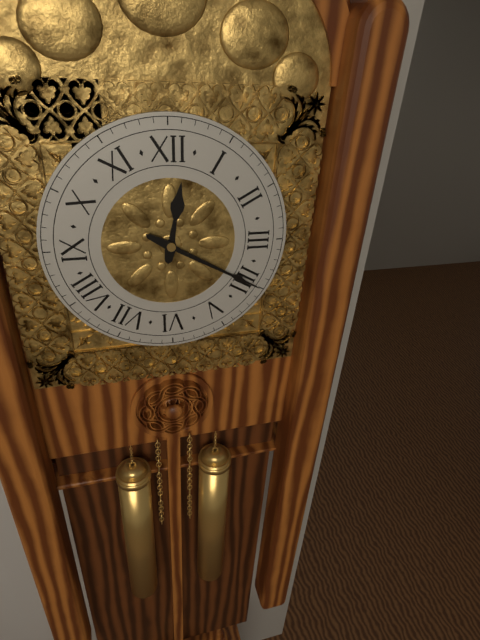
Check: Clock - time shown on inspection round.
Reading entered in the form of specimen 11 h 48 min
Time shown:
12 h 20 min
